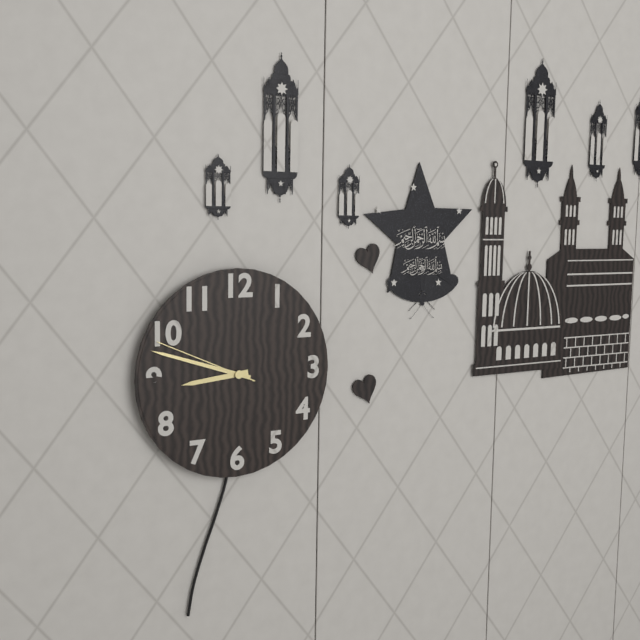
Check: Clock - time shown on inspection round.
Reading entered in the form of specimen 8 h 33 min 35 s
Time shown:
8 h 48 min 49 s
